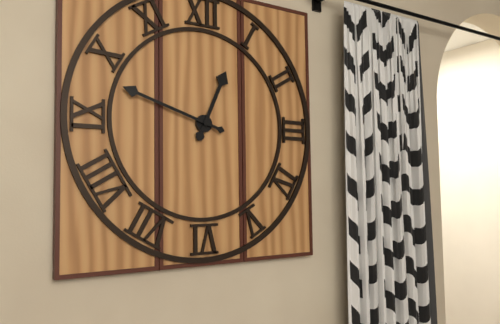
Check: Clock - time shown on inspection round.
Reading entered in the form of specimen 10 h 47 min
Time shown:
12 h 48 min
